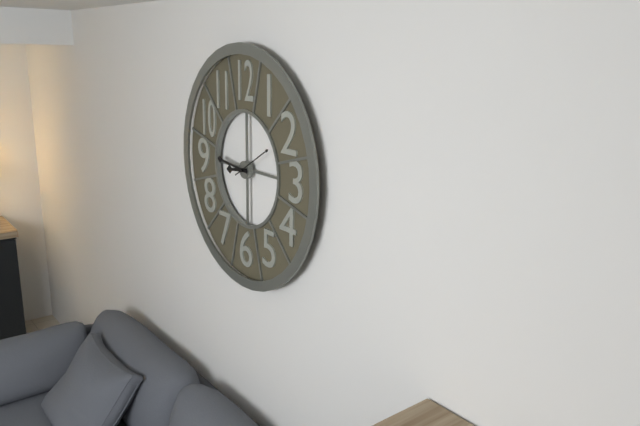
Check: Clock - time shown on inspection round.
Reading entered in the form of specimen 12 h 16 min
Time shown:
8 h 46 min
